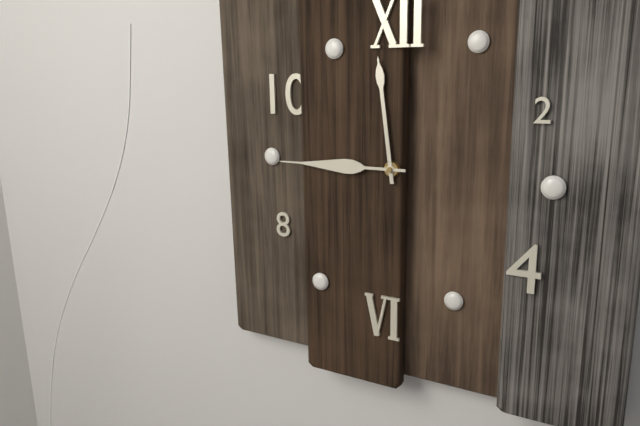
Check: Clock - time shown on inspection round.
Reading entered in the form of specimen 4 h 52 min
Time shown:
11 h 45 min
